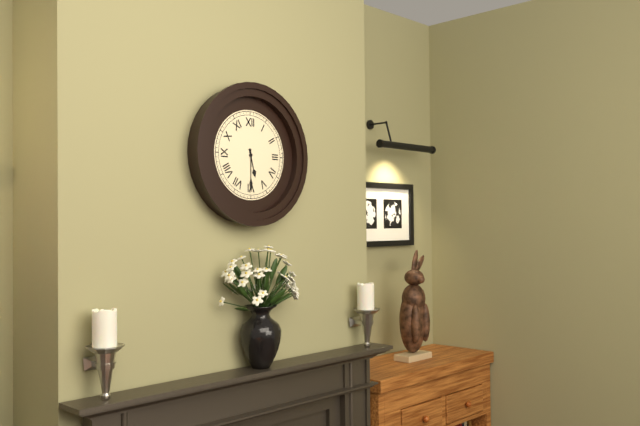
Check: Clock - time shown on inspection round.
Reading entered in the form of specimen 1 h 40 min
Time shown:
5 h 30 min
